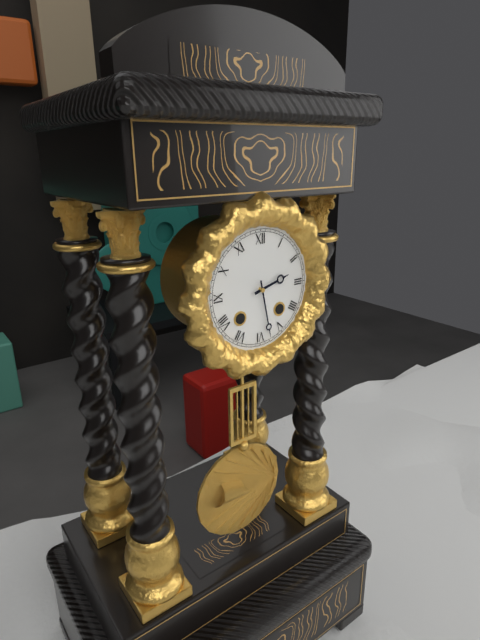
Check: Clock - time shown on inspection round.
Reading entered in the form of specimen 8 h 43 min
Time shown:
2 h 28 min
